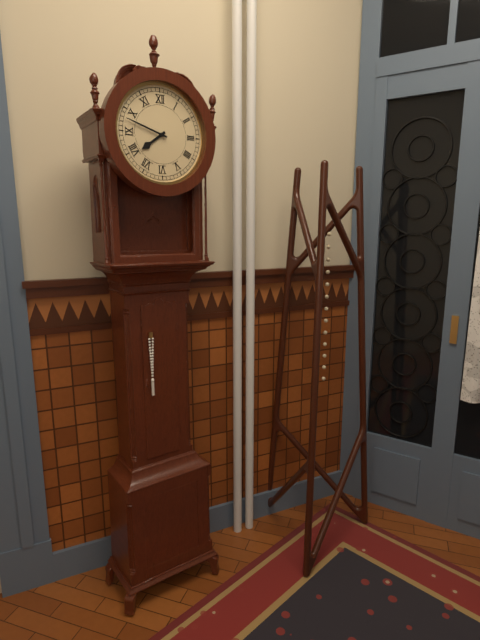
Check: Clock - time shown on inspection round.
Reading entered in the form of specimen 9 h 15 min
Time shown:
7 h 48 min
